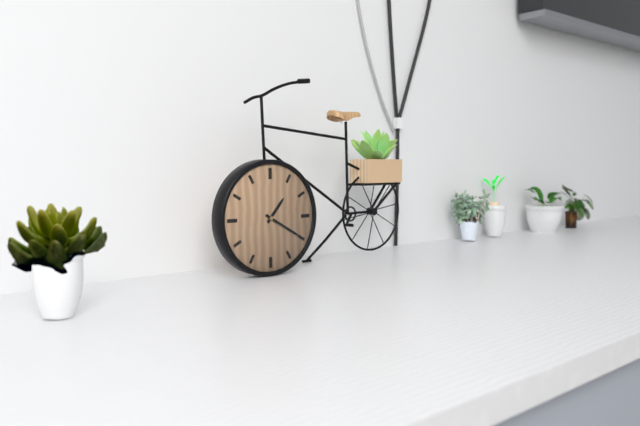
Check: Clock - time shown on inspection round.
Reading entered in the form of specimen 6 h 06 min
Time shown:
1 h 20 min
